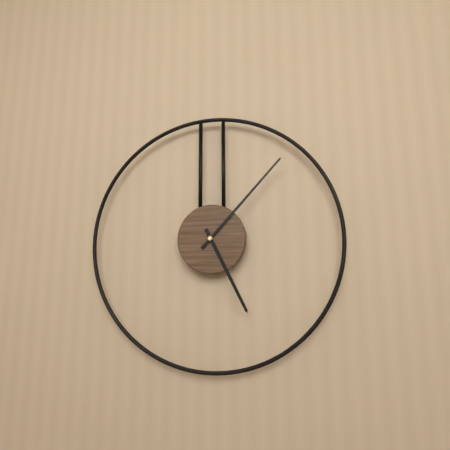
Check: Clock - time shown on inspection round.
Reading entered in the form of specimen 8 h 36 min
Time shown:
5 h 07 min
